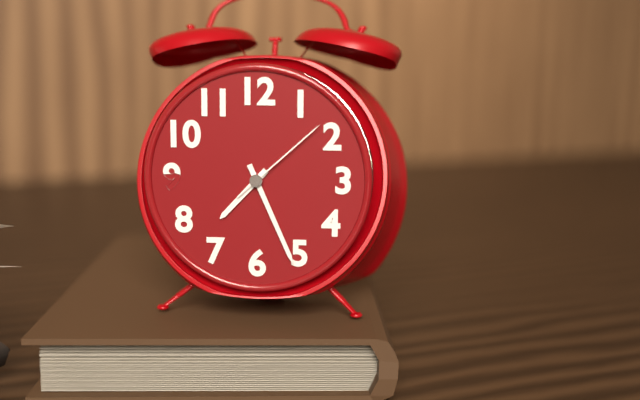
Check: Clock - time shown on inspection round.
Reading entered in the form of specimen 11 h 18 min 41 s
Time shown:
7 h 26 min 08 s
